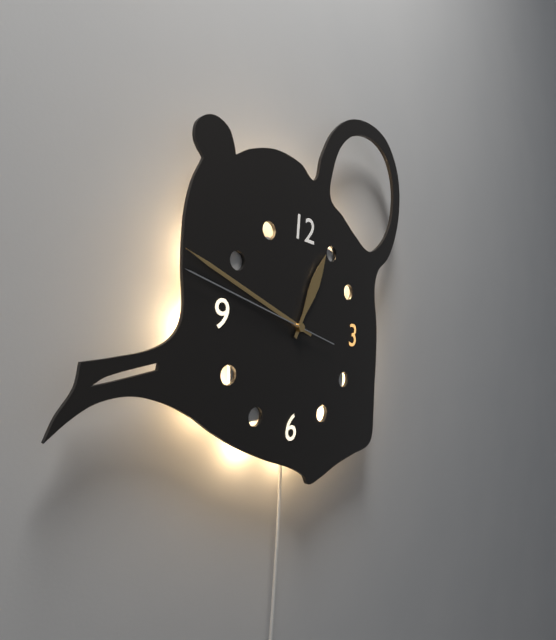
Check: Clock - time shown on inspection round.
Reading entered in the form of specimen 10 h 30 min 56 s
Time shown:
12 h 48 min 47 s
